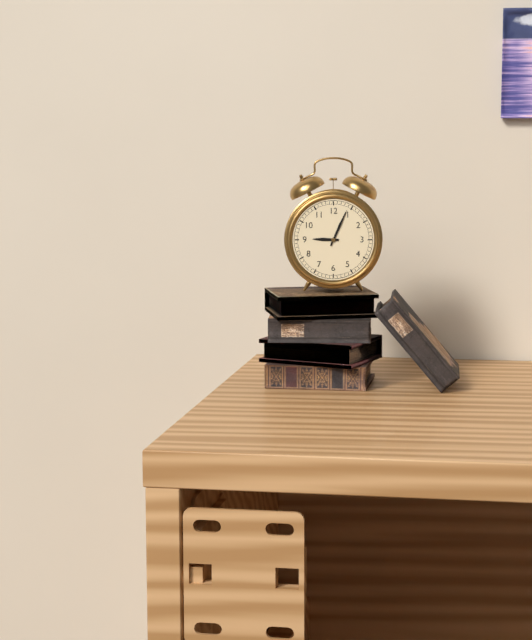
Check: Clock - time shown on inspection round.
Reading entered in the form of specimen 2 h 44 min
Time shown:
9 h 04 min
